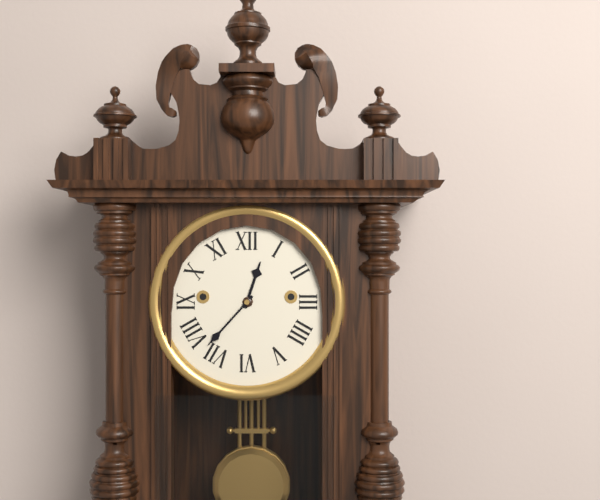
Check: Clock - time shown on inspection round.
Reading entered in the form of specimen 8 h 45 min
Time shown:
12 h 37 min
